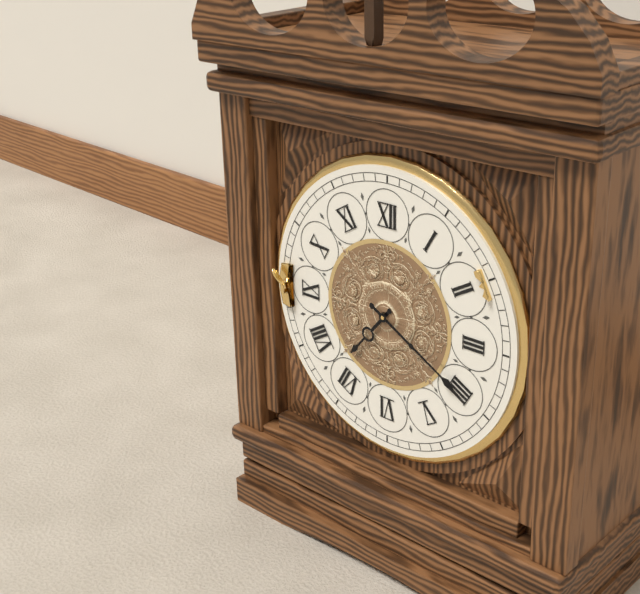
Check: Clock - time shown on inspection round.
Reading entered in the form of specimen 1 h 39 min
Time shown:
7 h 20 min
